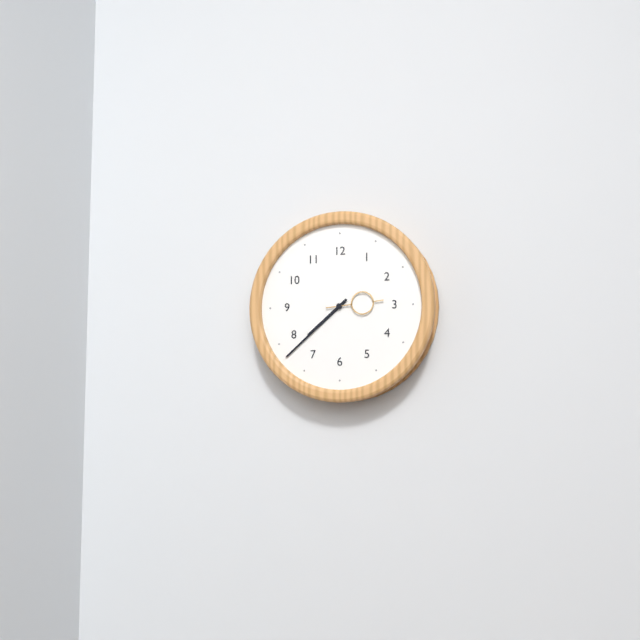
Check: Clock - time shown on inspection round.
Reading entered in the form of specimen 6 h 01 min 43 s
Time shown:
7 h 38 min 14 s
